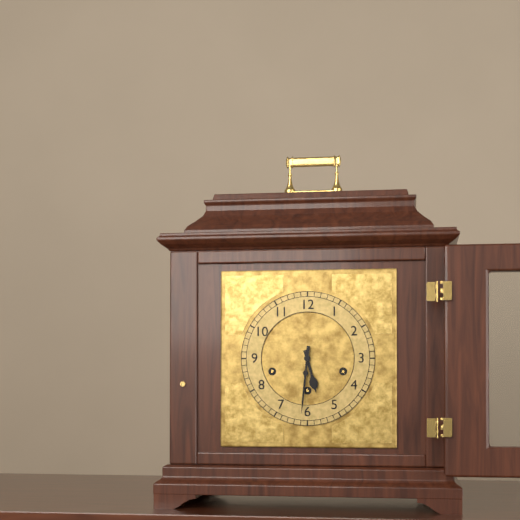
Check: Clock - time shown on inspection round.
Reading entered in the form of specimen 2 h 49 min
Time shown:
5 h 31 min
